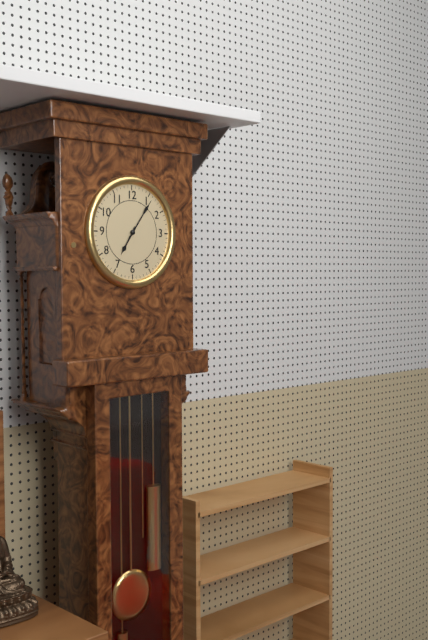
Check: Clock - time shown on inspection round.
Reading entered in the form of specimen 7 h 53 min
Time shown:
7 h 06 min
